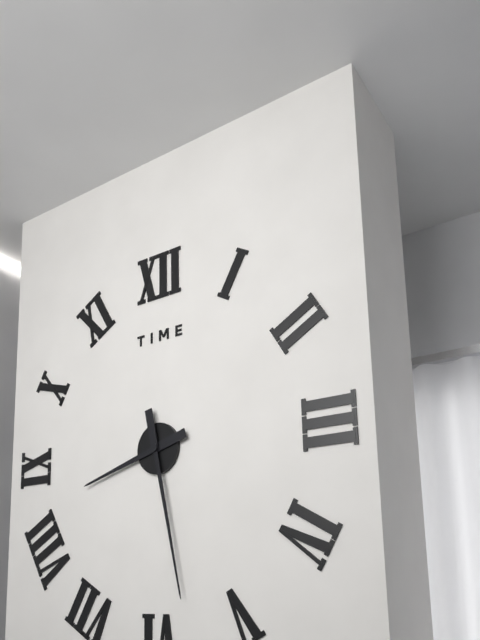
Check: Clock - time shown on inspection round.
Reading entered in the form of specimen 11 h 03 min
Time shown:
8 h 28 min
